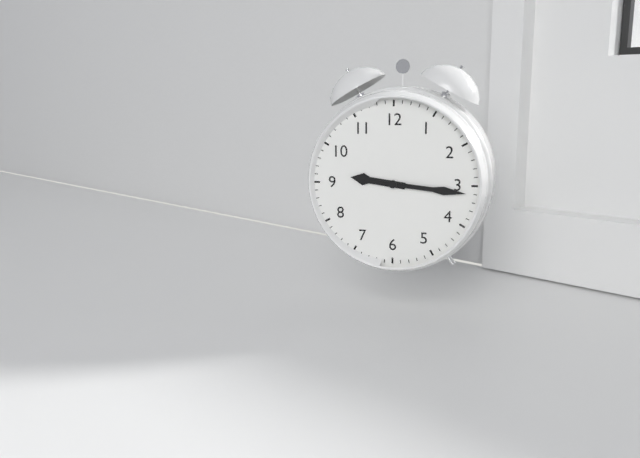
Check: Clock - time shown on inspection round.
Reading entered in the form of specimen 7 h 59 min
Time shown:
9 h 16 min
